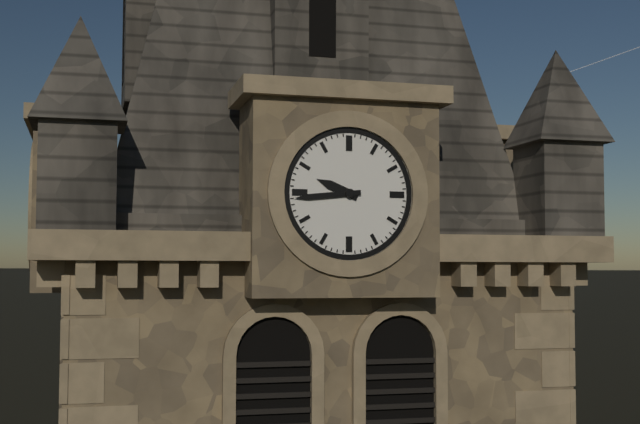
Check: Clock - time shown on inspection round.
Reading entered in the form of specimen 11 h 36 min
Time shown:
9 h 44 min
